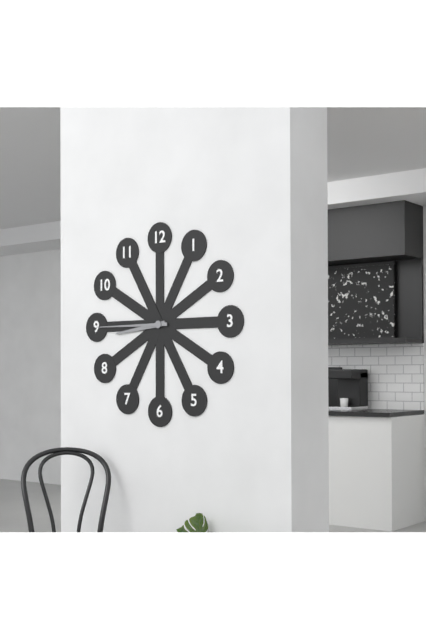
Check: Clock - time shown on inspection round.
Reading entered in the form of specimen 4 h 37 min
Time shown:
8 h 45 min
